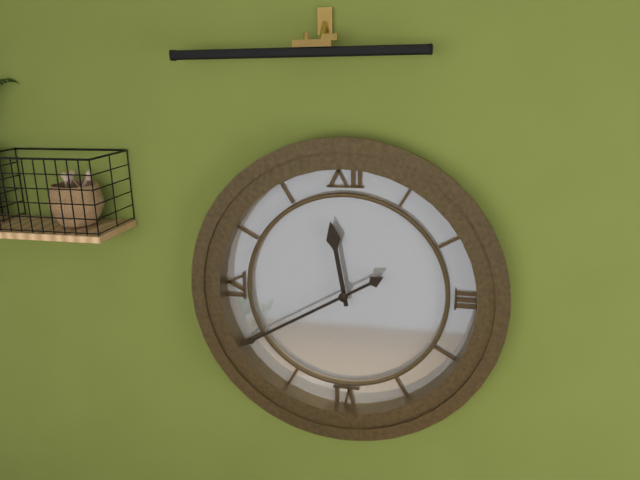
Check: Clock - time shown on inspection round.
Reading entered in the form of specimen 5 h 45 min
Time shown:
11 h 40 min
